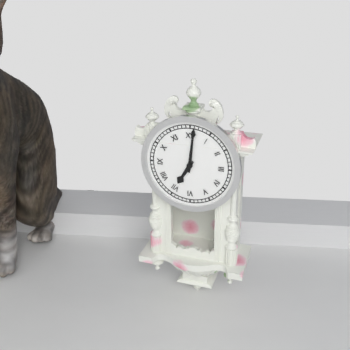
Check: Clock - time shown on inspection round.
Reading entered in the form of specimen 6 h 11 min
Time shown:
7 h 01 min
